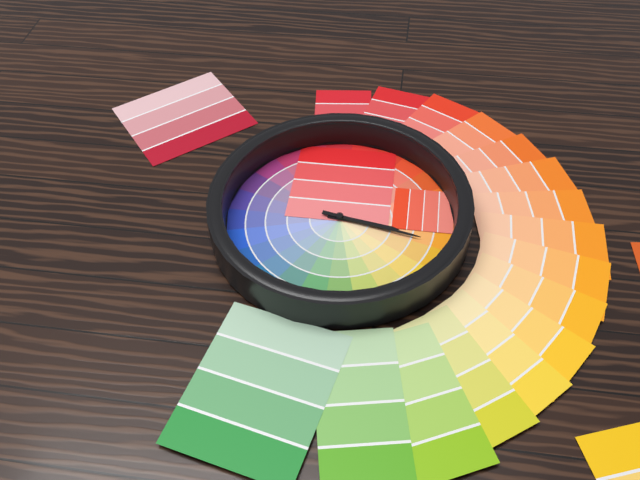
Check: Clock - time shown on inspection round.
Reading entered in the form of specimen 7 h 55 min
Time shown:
3 h 17 min
